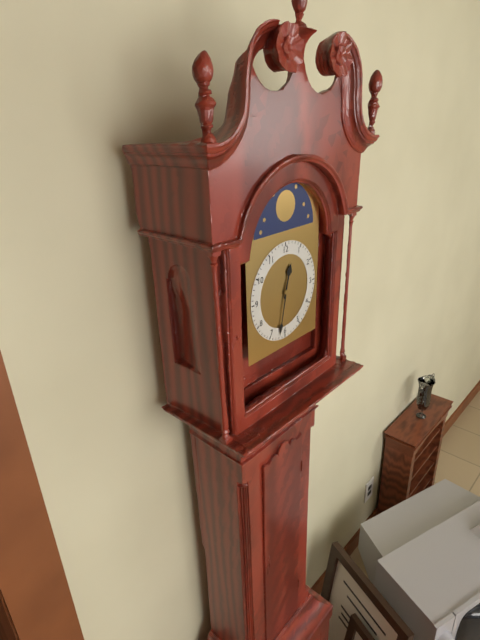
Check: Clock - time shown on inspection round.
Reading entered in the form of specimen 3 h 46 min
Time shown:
12 h 32 min
